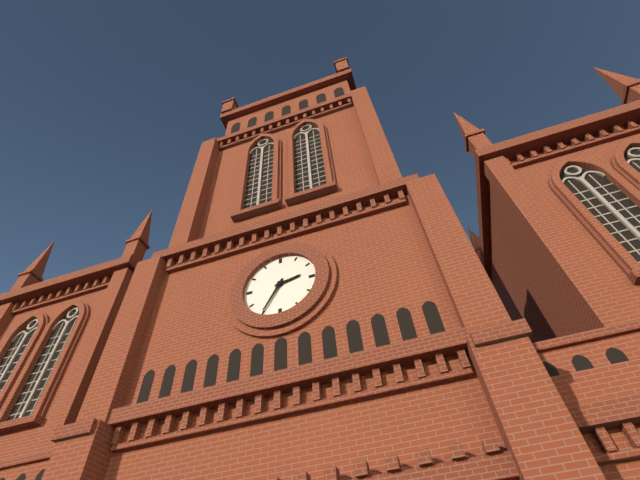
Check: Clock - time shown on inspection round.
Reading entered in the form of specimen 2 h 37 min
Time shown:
2 h 35 min
